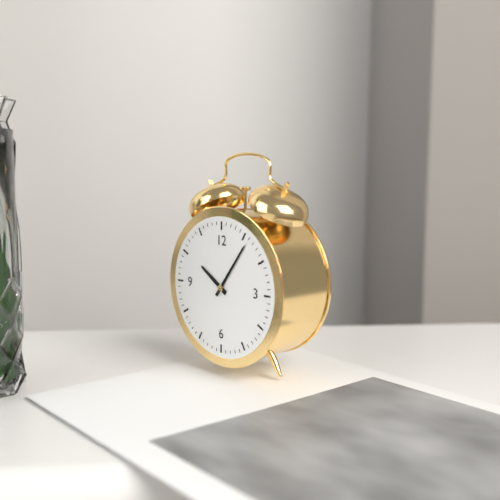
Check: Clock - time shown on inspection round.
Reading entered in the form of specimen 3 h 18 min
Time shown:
10 h 06 min
